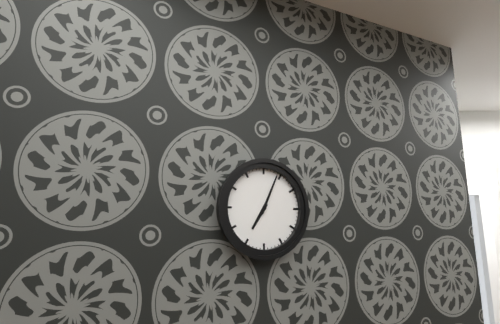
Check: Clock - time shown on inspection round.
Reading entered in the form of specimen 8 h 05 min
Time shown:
7 h 04 min
